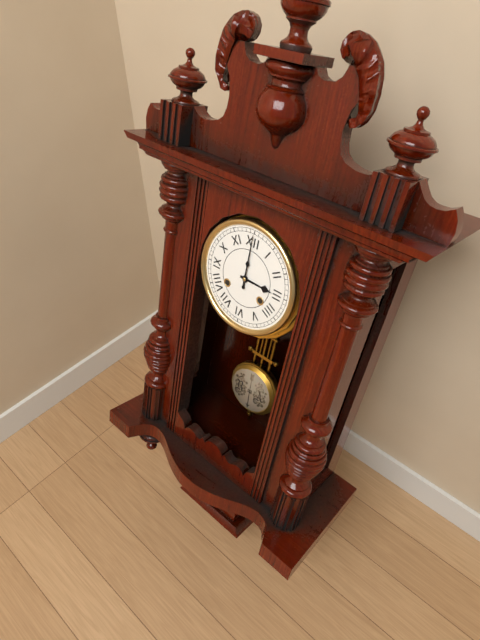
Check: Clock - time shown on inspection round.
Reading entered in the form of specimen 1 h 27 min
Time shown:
3 h 00 min
